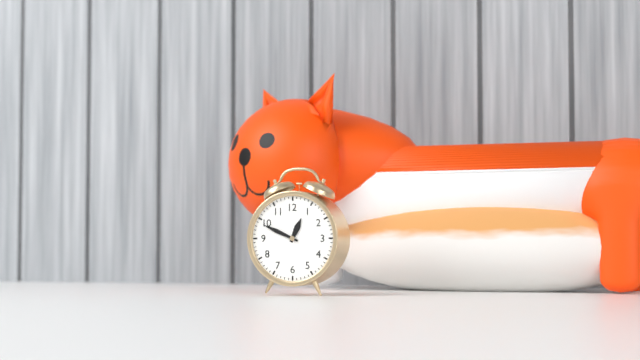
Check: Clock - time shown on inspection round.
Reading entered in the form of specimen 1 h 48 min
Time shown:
12 h 49 min
